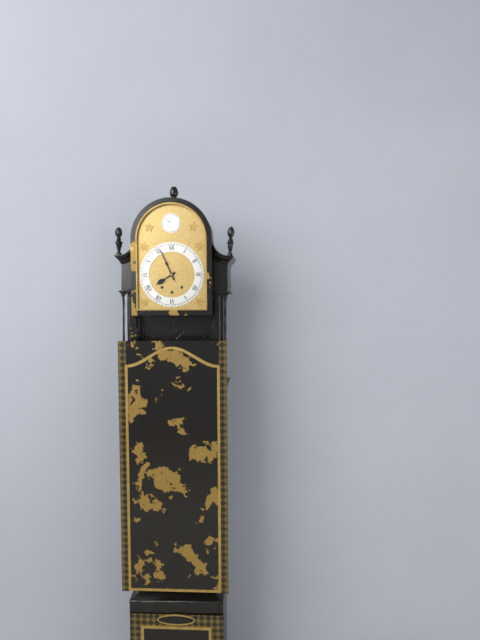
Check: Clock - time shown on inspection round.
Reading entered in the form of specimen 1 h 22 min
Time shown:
7 h 56 min
